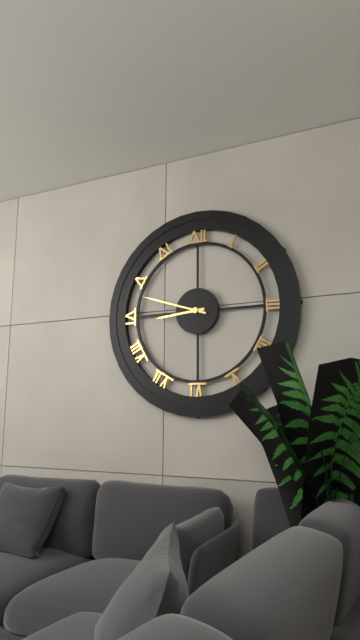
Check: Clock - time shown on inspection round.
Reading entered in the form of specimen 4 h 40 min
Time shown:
8 h 48 min
